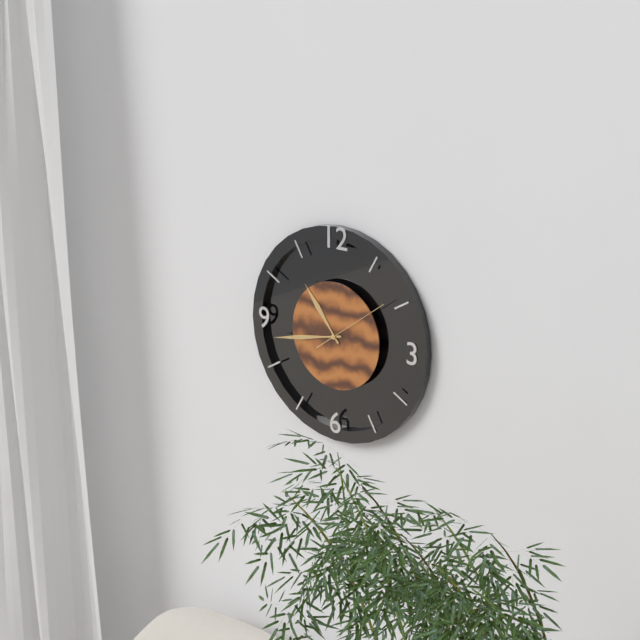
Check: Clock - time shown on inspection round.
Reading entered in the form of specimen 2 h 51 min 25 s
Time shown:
10 h 43 min 09 s
